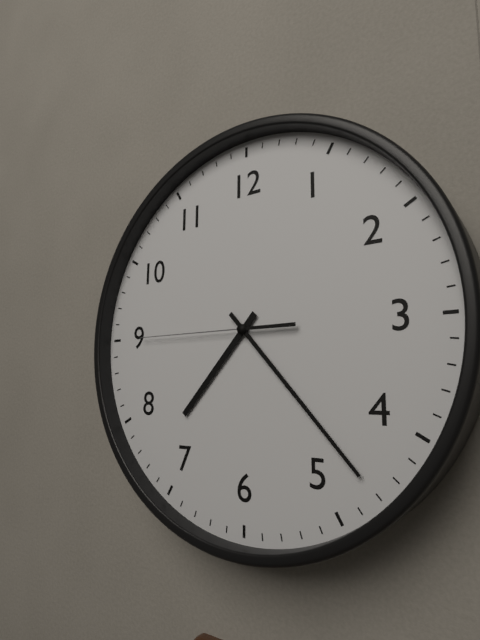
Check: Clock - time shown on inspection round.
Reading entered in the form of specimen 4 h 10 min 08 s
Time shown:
7 h 23 min 45 s
